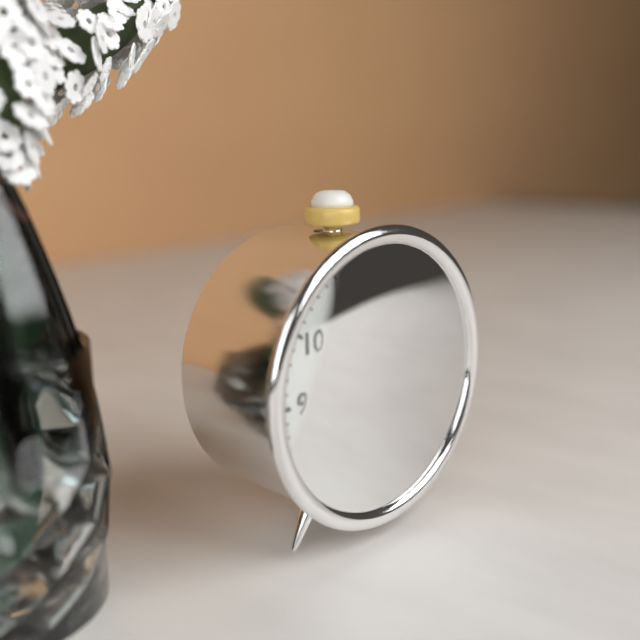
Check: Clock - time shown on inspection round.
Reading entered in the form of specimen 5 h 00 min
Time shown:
1 h 21 min
